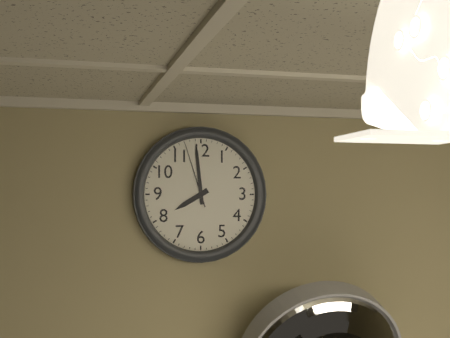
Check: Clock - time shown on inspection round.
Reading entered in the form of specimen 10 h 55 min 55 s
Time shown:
7 h 59 min 57 s
